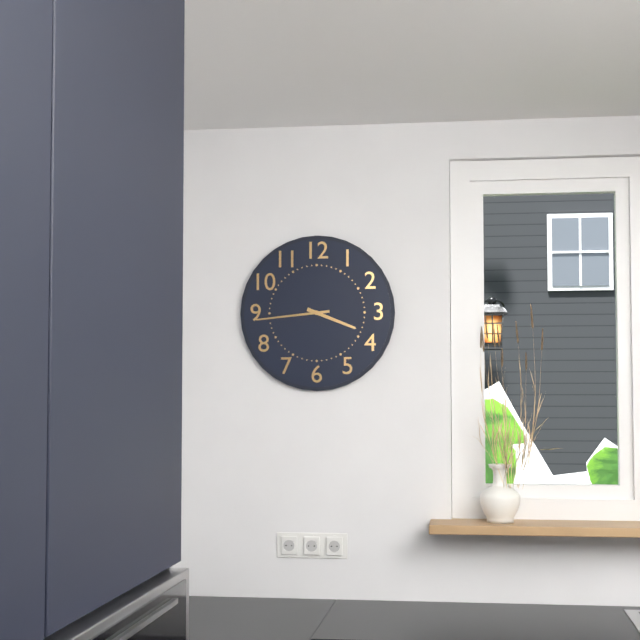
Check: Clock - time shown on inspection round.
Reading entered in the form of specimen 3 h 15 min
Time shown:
3 h 44 min
